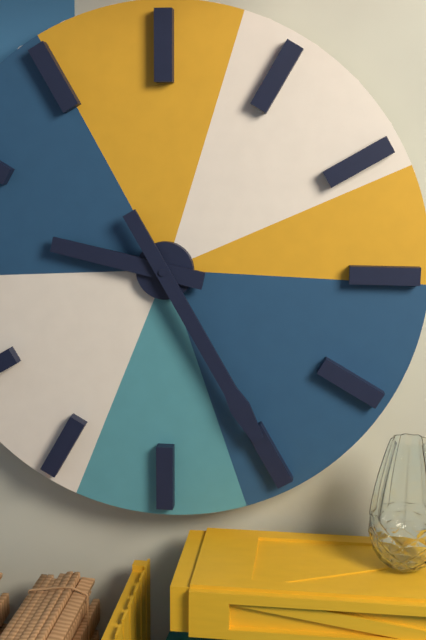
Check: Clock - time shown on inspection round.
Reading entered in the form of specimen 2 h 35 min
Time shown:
9 h 25 min
